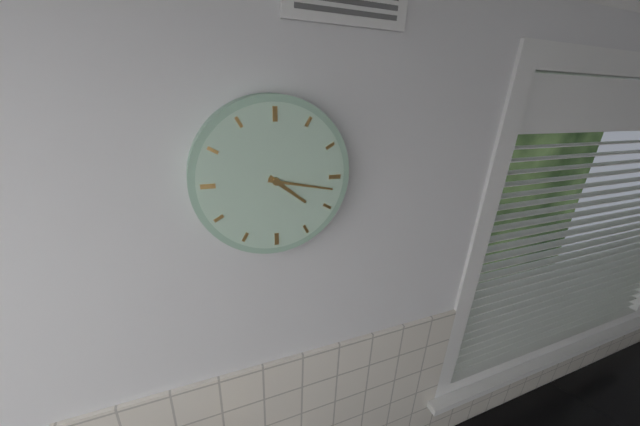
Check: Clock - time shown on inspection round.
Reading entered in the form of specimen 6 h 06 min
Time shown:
4 h 17 min
